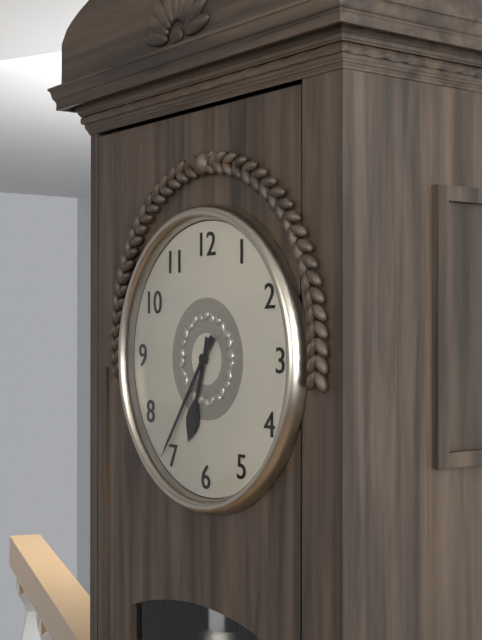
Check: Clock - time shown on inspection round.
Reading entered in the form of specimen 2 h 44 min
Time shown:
6 h 36 min
